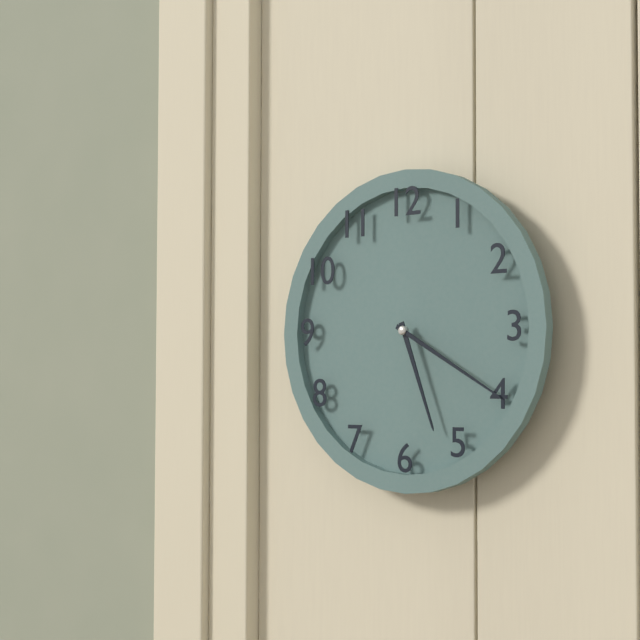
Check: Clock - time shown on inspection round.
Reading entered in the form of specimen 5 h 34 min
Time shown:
5 h 20 min
